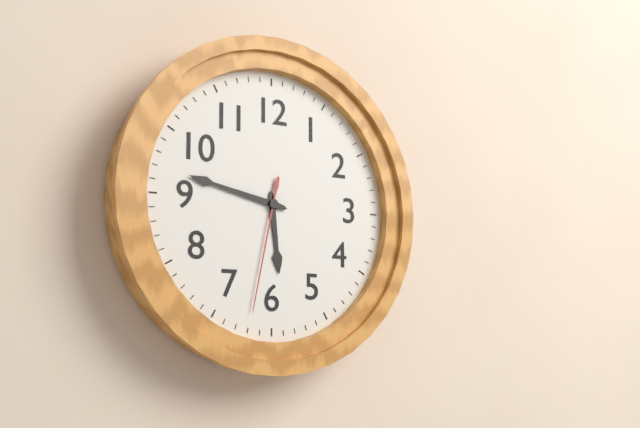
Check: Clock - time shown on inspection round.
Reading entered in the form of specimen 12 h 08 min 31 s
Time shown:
5 h 47 min 32 s
